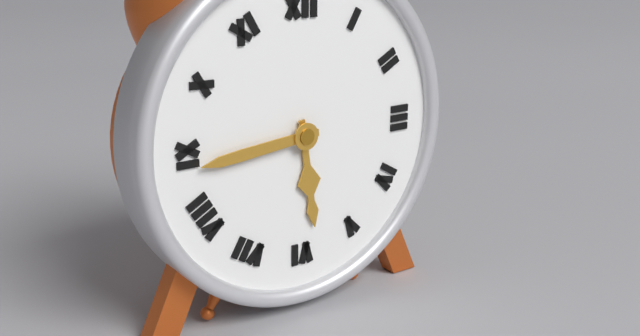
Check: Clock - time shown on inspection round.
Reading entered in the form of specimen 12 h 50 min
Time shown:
5 h 44 min
